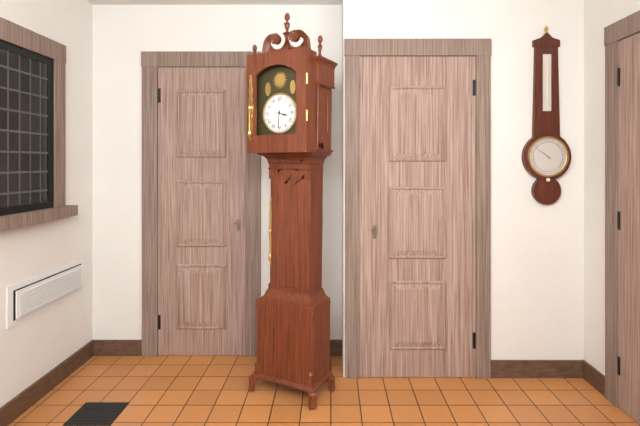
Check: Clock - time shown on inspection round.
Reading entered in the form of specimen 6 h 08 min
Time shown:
3 h 31 min
